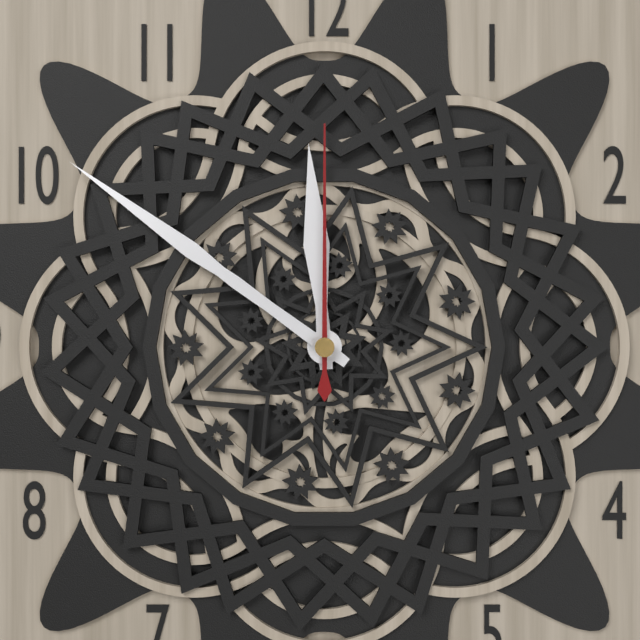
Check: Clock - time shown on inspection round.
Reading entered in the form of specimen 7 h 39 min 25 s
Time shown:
11 h 51 min 00 s
